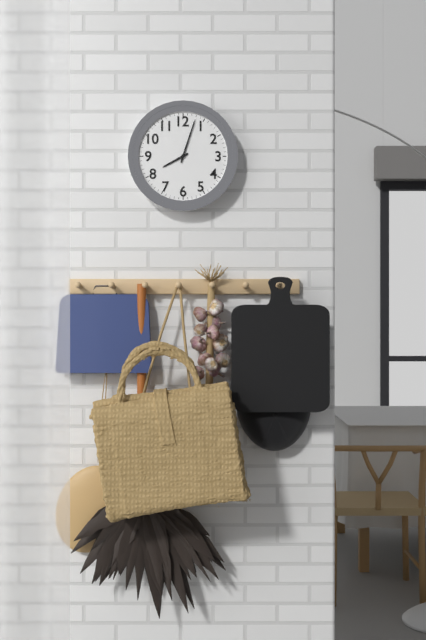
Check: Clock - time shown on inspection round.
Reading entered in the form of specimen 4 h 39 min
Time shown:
8 h 03 min
